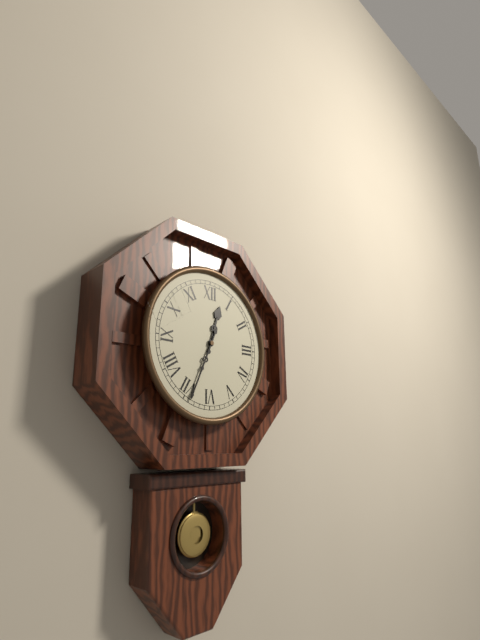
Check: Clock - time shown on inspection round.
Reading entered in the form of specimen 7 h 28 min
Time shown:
12 h 34 min
